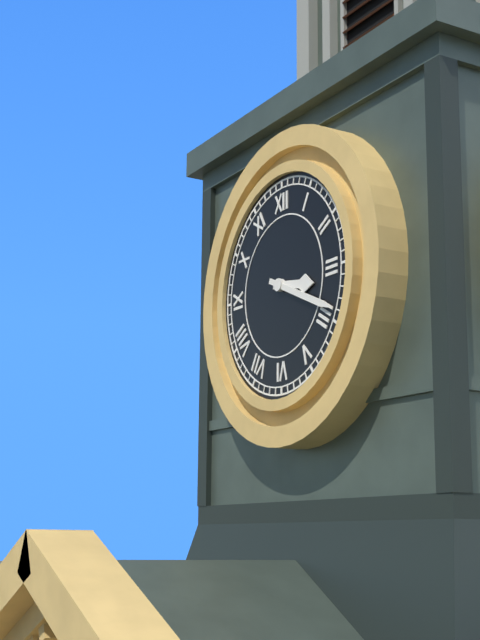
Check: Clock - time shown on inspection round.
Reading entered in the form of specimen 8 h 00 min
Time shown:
3 h 19 min
